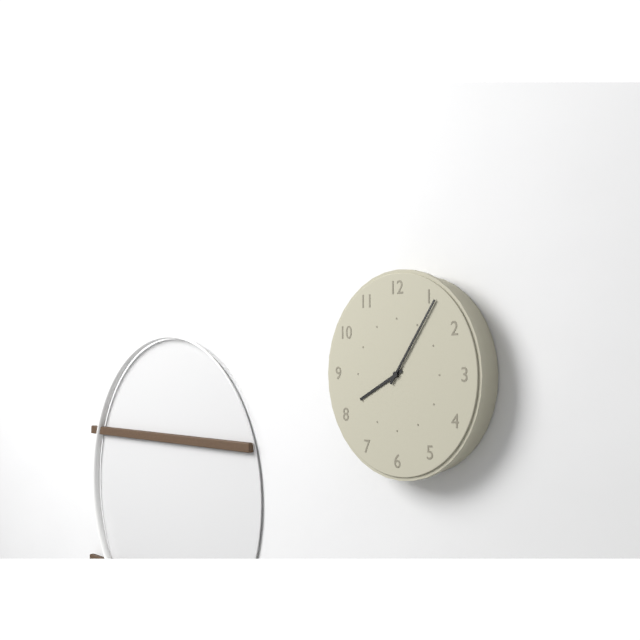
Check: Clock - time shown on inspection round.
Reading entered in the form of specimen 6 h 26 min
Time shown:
8 h 06 min
